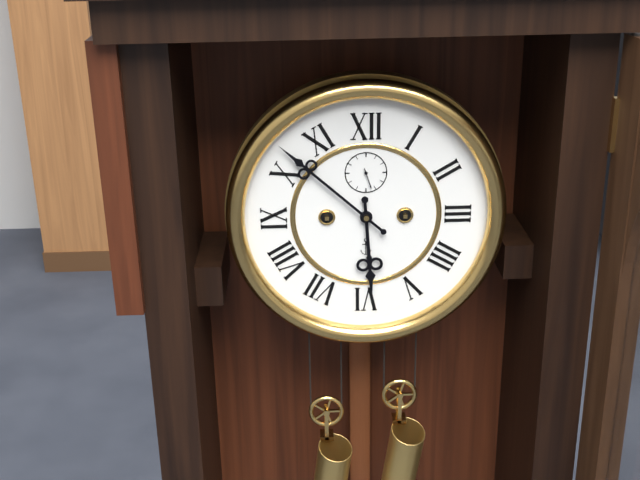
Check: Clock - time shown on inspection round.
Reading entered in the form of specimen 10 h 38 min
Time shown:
5 h 52 min
